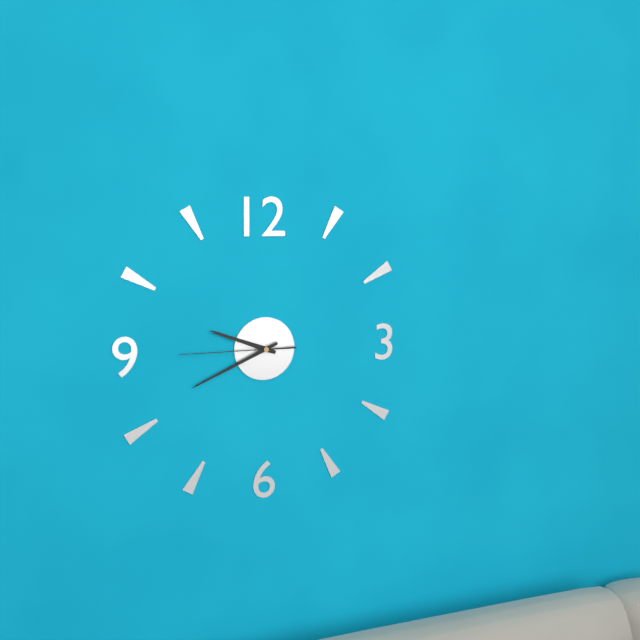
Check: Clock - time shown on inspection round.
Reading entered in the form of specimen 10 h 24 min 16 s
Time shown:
9 h 41 min 45 s
